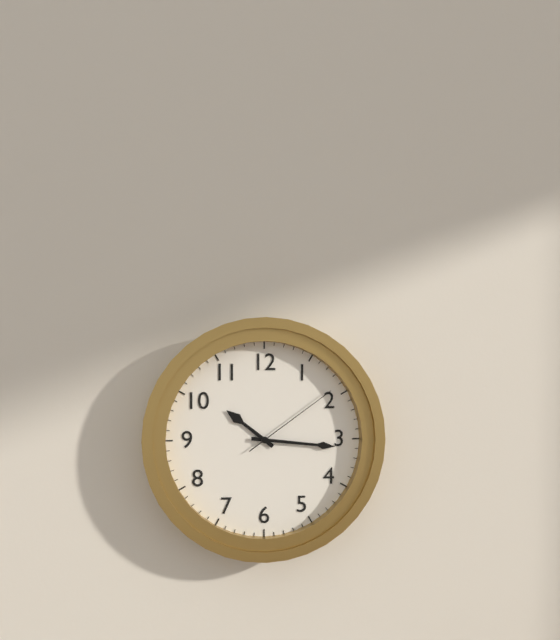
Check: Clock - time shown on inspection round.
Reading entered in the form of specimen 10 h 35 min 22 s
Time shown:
10 h 16 min 09 s
